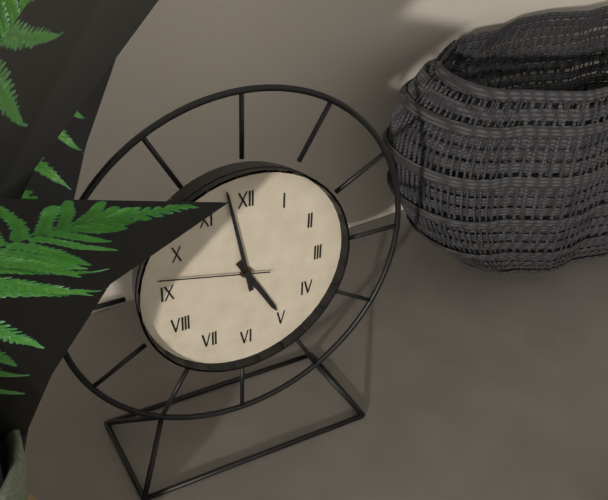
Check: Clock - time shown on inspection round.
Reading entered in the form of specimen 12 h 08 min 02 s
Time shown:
4 h 58 min 47 s
